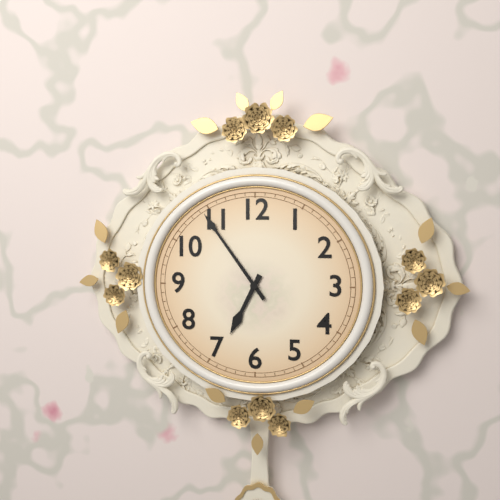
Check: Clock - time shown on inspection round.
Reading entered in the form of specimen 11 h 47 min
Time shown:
6 h 54 min
